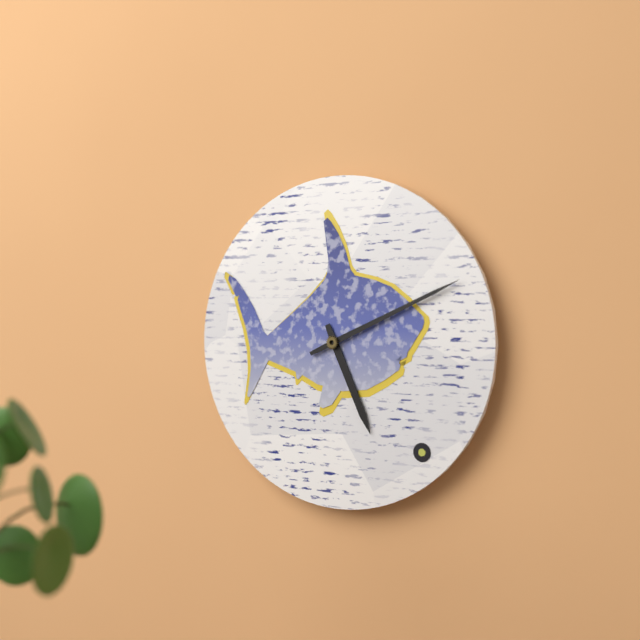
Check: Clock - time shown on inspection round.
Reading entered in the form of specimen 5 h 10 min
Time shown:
5 h 11 min
